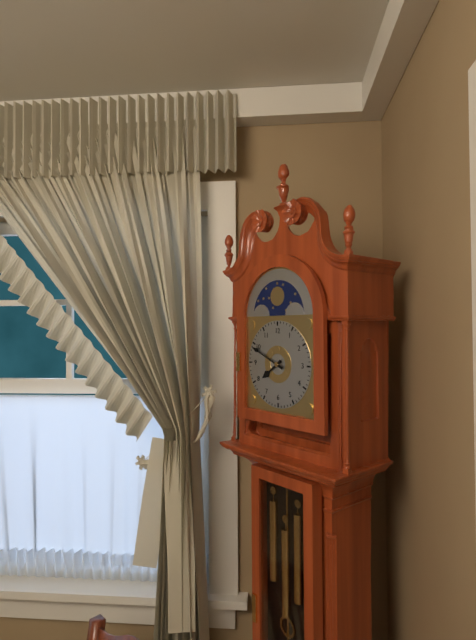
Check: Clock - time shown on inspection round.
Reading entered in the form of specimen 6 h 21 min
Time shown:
7 h 49 min
